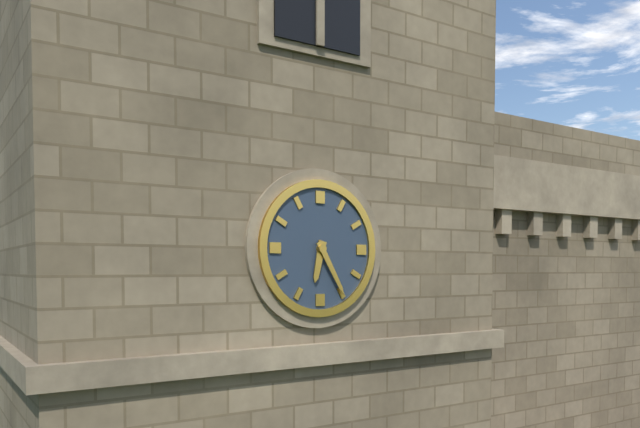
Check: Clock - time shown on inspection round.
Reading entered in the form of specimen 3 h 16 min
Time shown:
6 h 25 min
